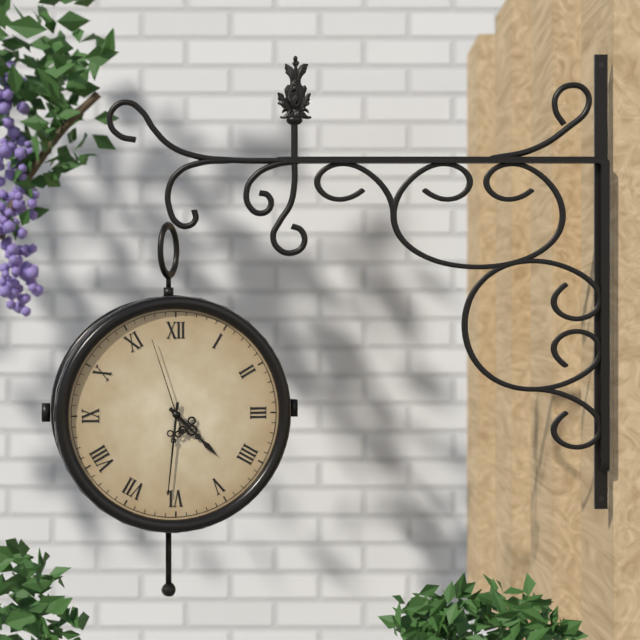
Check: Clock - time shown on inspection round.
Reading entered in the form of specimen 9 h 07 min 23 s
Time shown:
4 h 31 min 57 s
